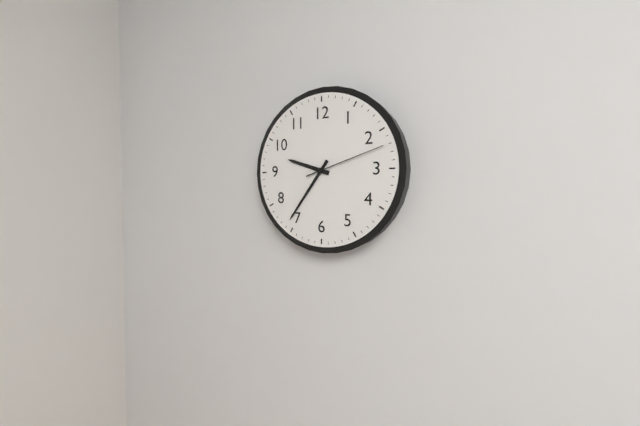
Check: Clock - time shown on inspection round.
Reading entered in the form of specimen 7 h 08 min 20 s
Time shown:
9 h 36 min 12 s
